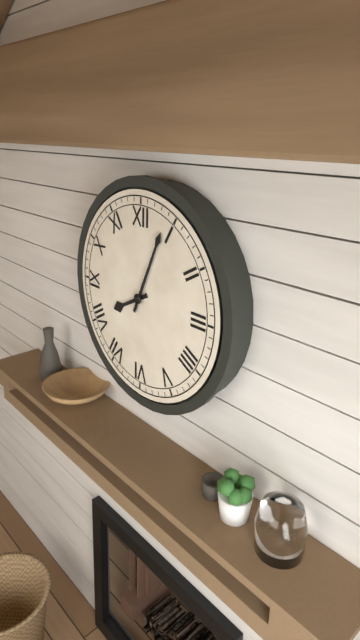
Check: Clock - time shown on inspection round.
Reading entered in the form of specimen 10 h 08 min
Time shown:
8 h 04 min
